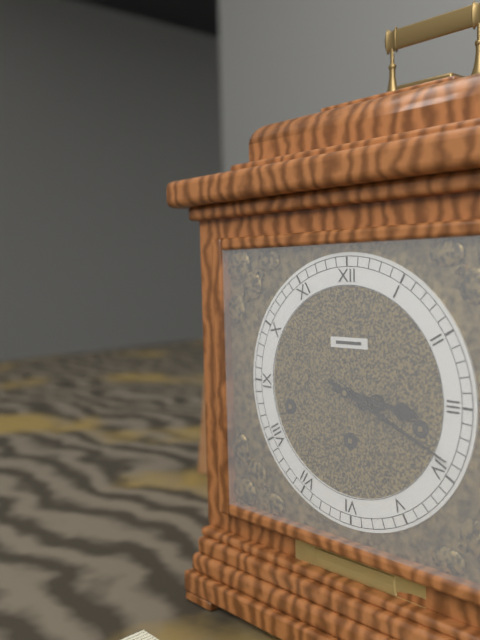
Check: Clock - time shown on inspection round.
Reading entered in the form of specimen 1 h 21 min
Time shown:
3 h 19 min
